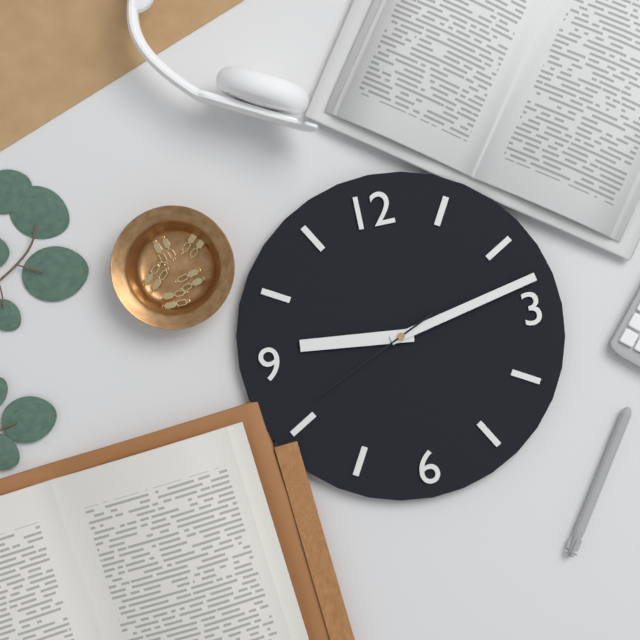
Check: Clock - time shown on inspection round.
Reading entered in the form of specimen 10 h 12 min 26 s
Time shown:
9 h 13 min 41 s
